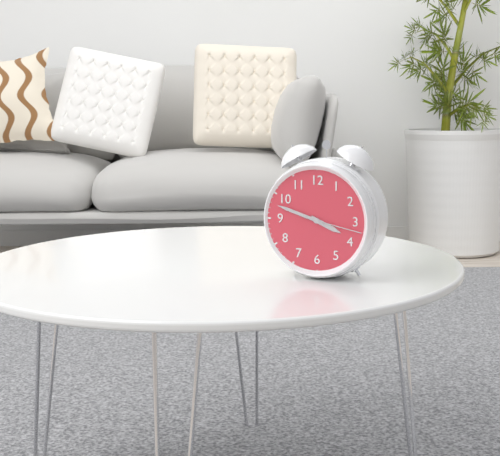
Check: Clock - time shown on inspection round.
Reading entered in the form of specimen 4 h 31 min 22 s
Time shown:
3 h 48 min 17 s
